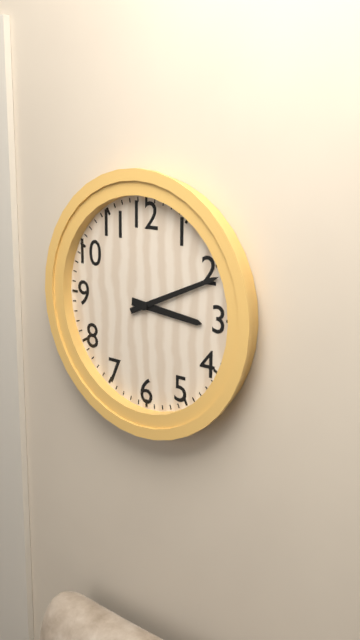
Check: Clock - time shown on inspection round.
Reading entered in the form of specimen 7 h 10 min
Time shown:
3 h 11 min
